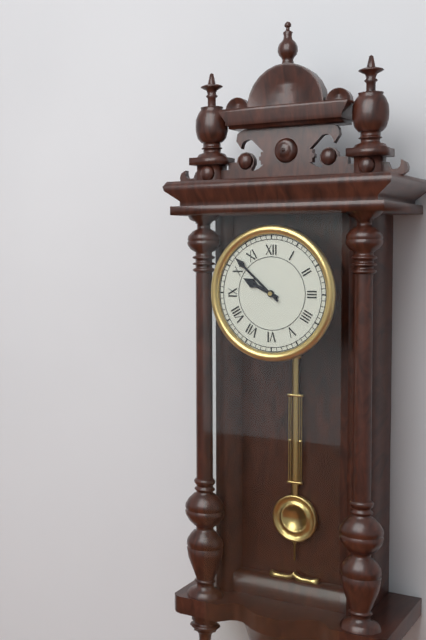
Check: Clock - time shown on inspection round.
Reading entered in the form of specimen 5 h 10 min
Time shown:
9 h 52 min
